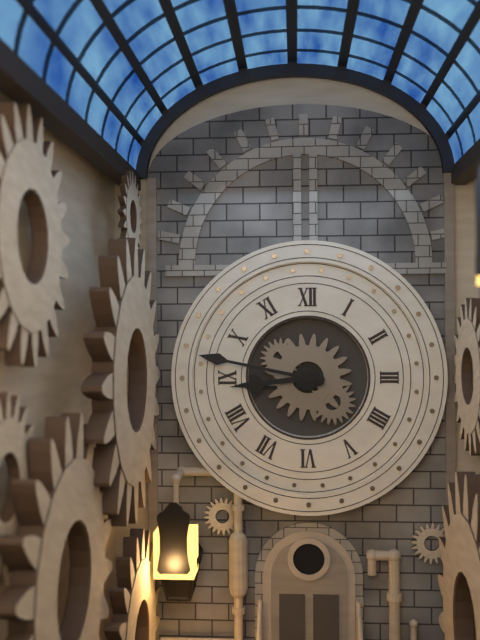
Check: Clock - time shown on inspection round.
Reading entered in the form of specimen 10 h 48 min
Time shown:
8 h 47 min
